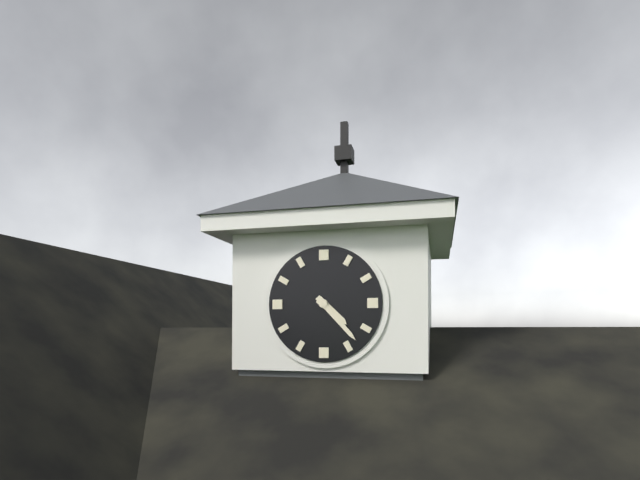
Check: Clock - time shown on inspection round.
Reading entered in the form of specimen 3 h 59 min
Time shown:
4 h 23 min
